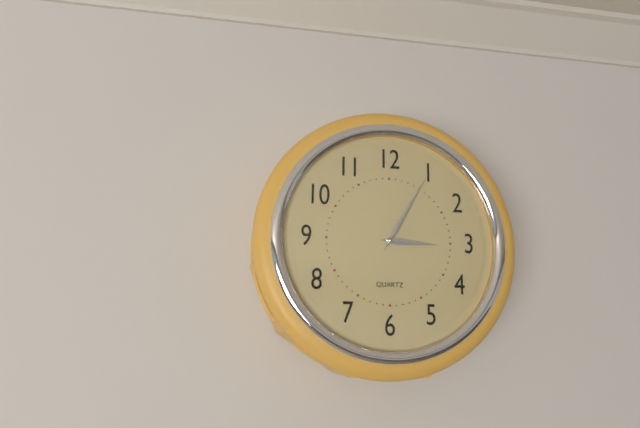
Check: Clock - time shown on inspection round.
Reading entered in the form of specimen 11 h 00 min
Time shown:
3 h 05 min
